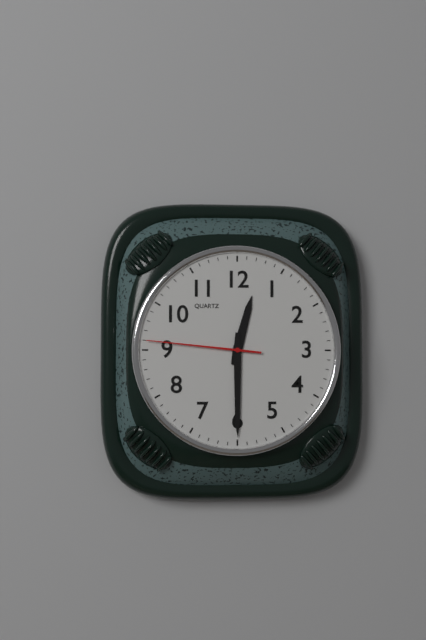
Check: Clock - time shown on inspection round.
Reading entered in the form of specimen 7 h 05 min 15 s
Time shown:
12 h 30 min 46 s
